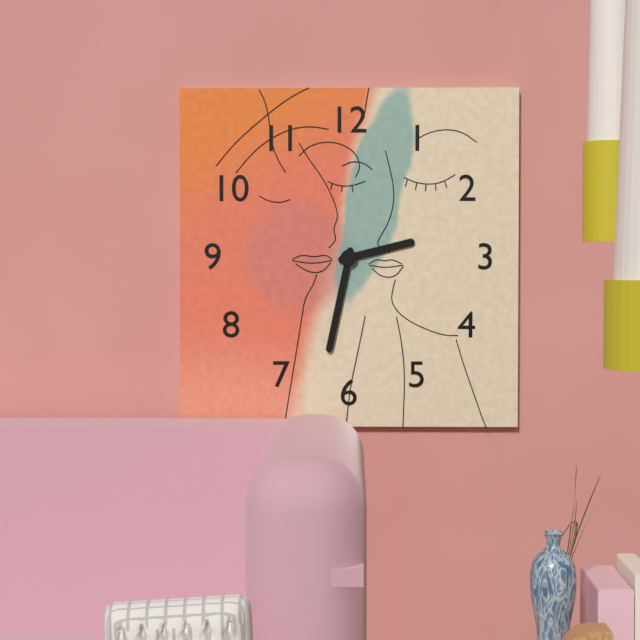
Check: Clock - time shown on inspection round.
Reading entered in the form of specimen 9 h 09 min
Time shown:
2 h 32 min
